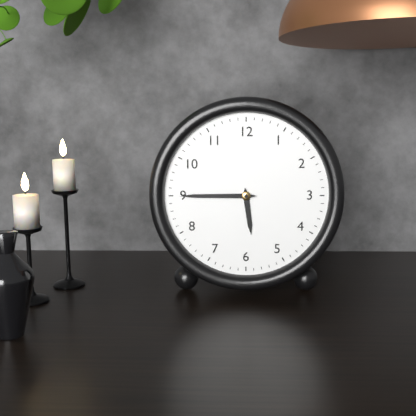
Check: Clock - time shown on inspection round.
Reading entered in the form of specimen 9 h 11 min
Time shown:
5 h 45 min
